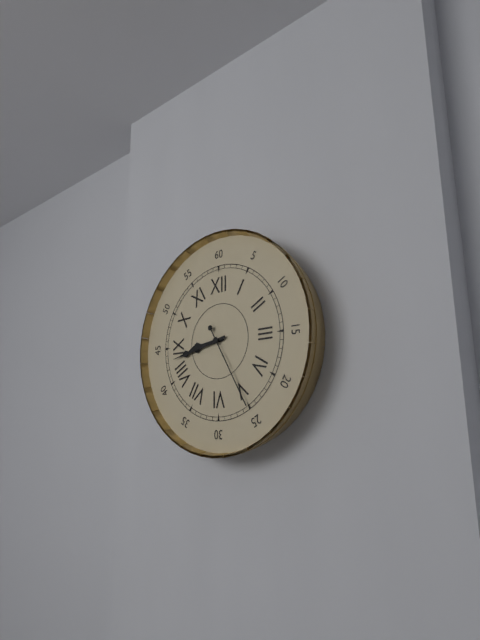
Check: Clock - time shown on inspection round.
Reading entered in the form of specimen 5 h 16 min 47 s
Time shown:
8 h 43 min 25 s
